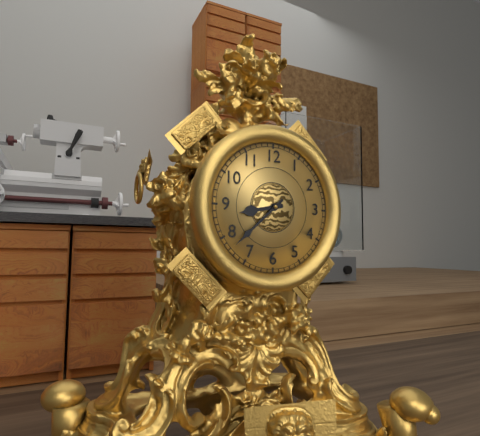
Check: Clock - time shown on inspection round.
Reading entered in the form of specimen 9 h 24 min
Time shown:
8 h 38 min
